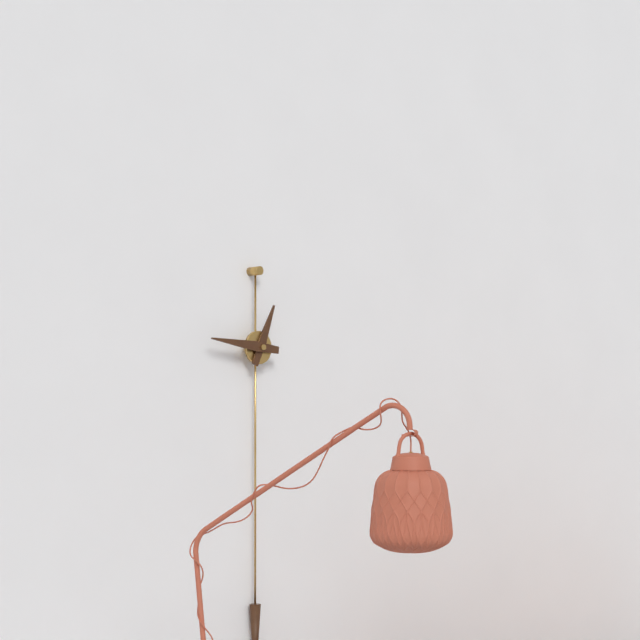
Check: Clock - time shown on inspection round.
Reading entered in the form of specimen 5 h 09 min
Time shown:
12 h 46 min
